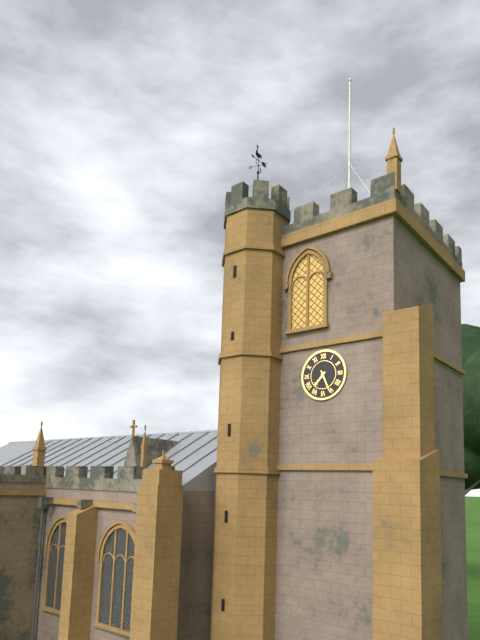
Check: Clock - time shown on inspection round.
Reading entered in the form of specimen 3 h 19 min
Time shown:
7 h 26 min
